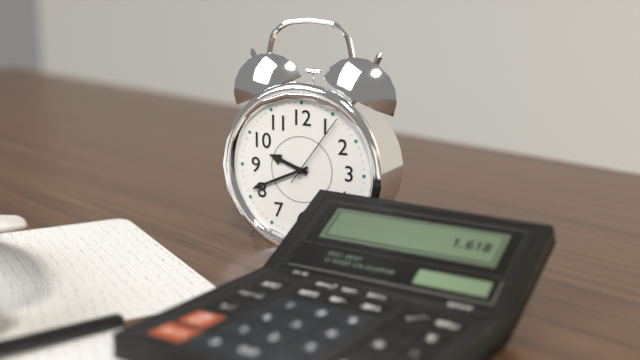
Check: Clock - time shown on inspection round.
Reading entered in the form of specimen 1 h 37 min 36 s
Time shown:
9 h 41 min 06 s
